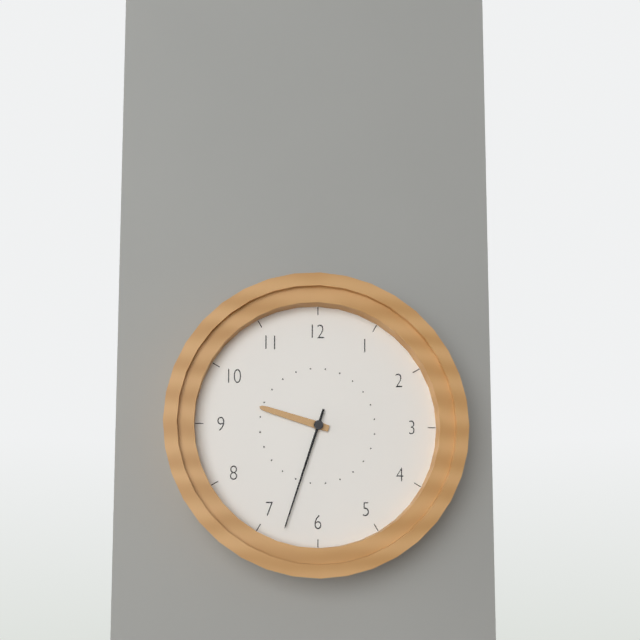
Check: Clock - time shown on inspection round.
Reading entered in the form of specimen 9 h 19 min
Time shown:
9 h 33 min
